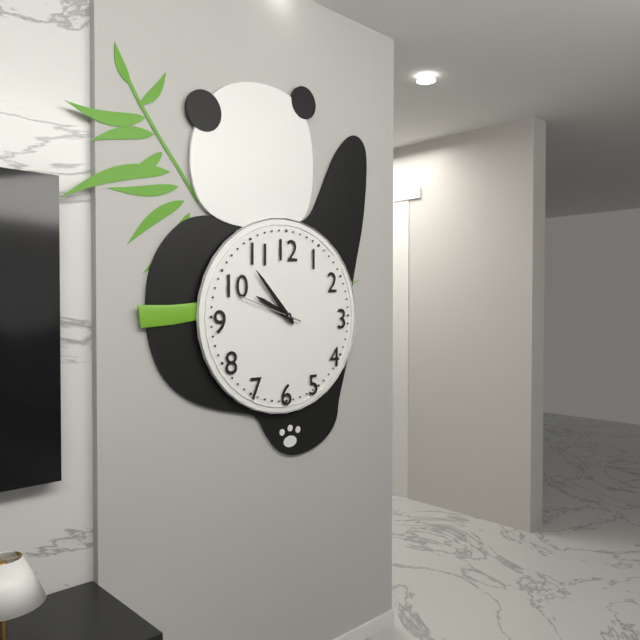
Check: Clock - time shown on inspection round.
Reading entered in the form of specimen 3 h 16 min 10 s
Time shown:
9 h 53 min 48 s
